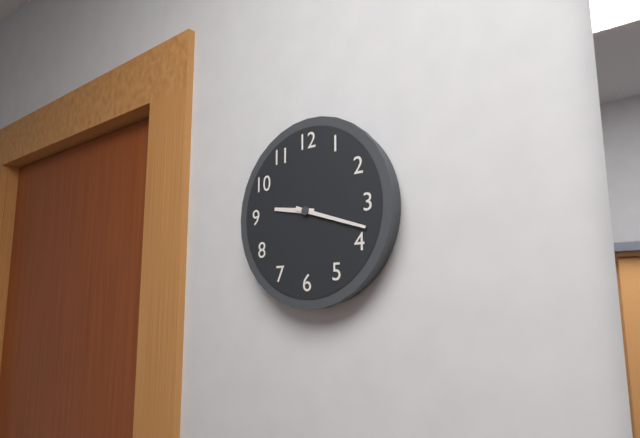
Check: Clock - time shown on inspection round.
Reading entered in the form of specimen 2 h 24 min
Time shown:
9 h 18 min
